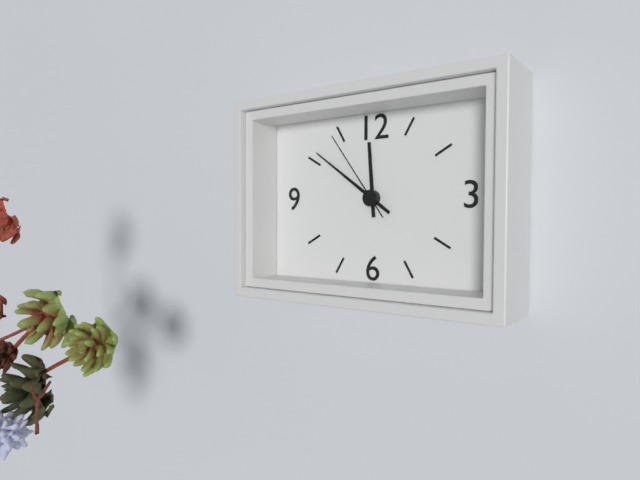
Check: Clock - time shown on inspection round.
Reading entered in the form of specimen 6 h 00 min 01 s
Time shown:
11 h 51 min 54 s
